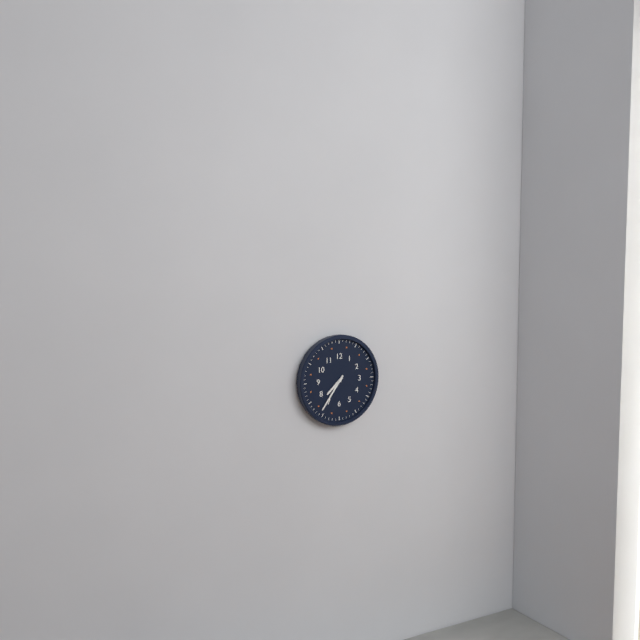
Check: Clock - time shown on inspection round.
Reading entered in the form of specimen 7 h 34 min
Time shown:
7 h 36 min
